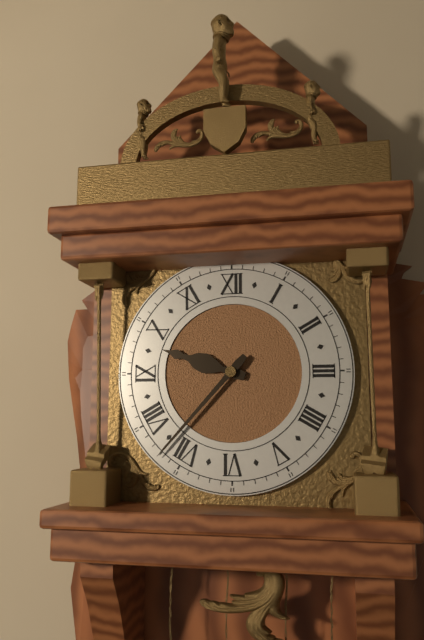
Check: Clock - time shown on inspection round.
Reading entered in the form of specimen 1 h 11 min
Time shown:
9 h 37 min
